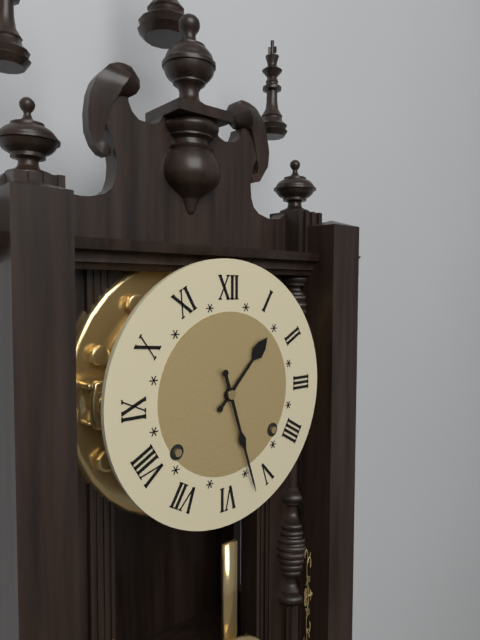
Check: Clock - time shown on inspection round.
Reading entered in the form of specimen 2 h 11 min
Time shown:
1 h 27 min
